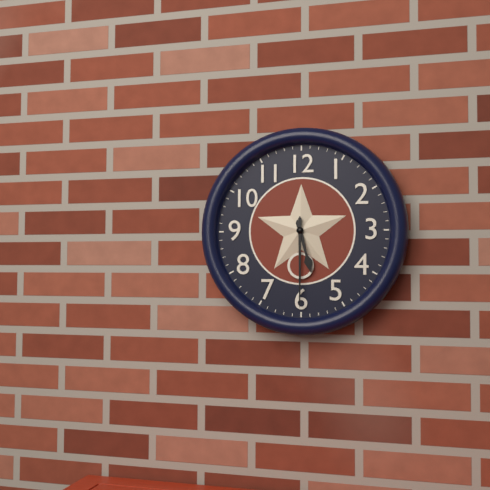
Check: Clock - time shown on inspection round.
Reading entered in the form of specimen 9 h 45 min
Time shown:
5 h 30 min
